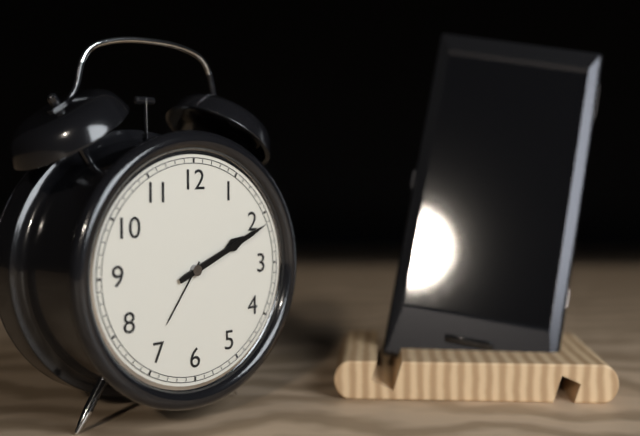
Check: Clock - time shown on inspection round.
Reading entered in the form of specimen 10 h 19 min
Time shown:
2 h 11 min
